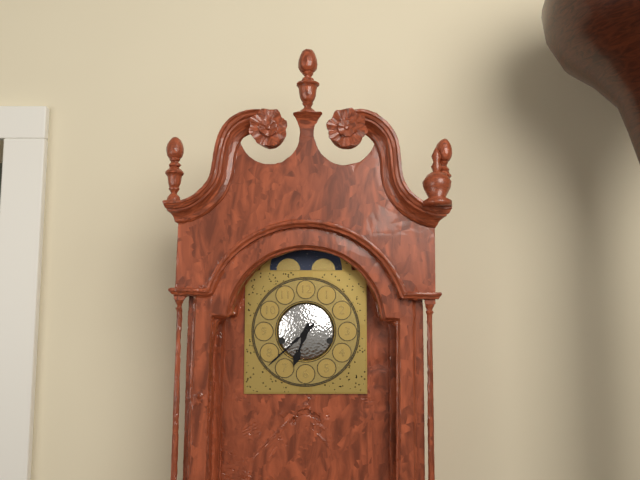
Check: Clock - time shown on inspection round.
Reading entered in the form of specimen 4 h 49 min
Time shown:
6 h 38 min
